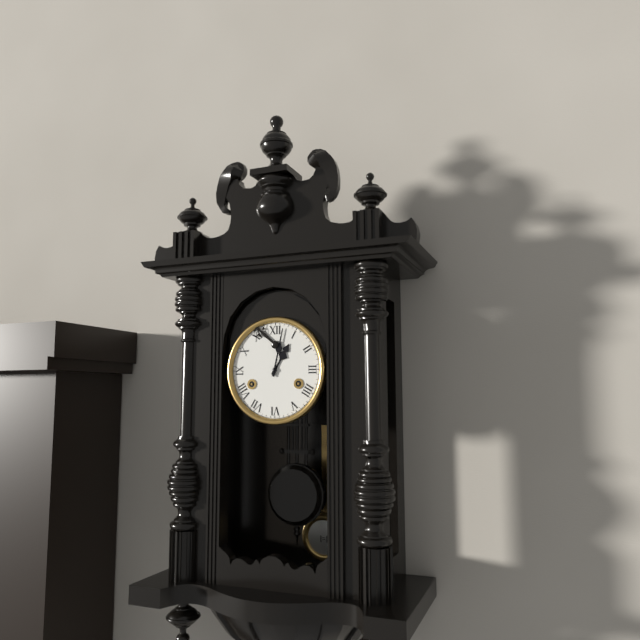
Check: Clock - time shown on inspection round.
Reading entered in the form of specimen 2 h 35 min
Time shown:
1 h 02 min
